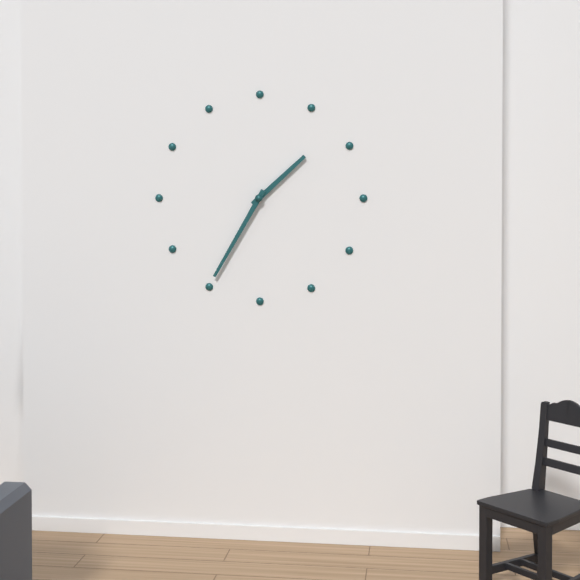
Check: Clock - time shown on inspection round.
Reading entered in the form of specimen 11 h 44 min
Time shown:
1 h 35 min
